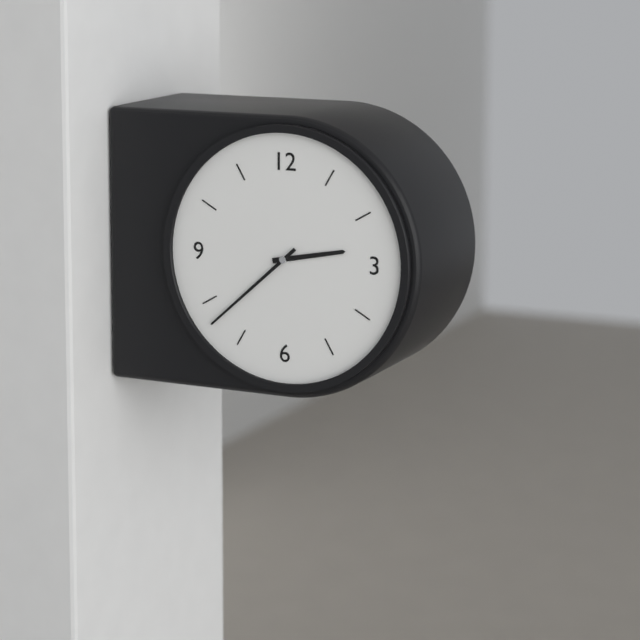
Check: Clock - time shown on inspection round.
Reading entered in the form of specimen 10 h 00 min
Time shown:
2 h 38 min
